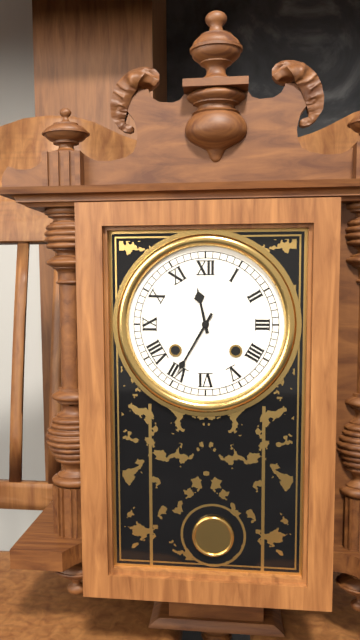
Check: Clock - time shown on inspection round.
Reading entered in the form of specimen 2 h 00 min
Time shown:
11 h 35 min
